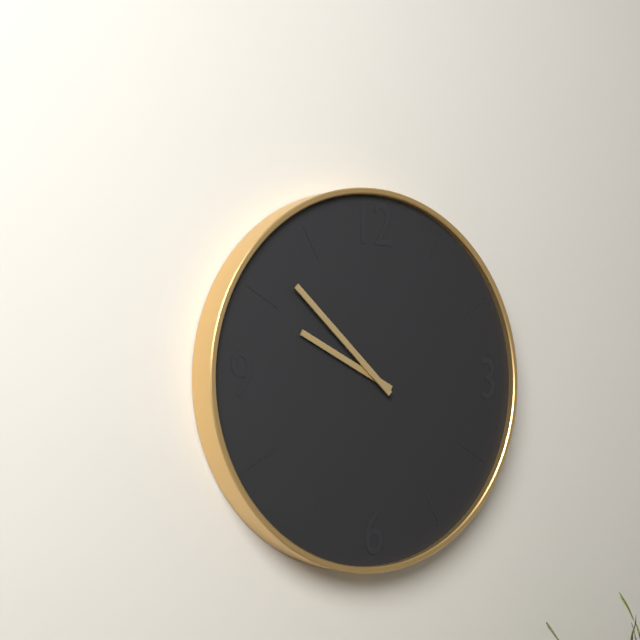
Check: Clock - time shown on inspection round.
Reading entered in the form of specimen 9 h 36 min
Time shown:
9 h 52 min
